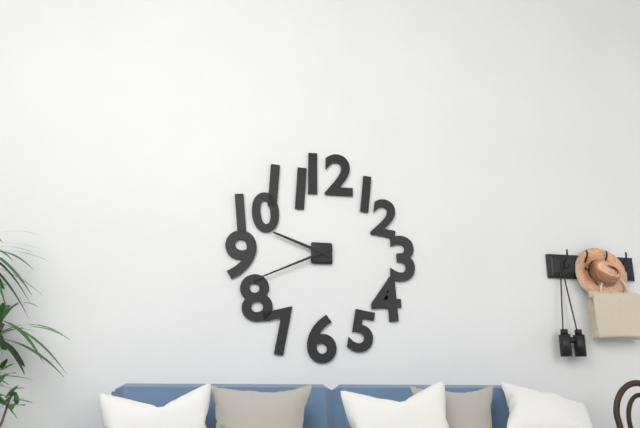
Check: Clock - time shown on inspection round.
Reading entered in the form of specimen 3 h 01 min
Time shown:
9 h 41 min
